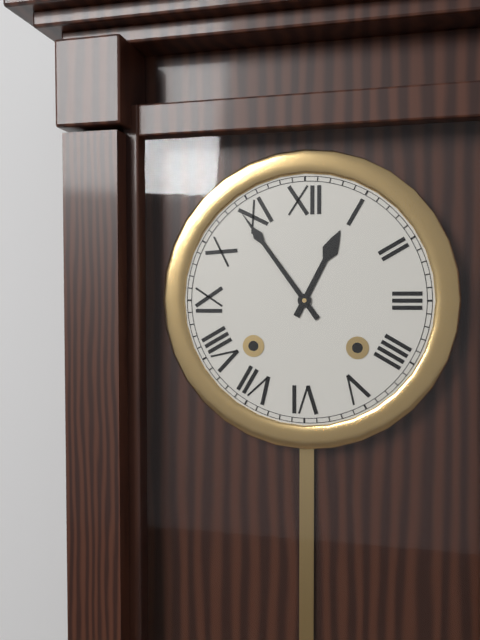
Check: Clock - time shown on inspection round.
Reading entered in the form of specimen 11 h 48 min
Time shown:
12 h 54 min
